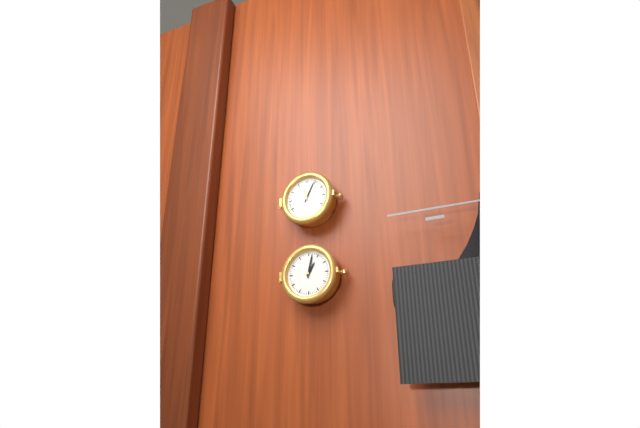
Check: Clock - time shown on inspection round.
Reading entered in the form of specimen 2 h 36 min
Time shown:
1 h 02 min
